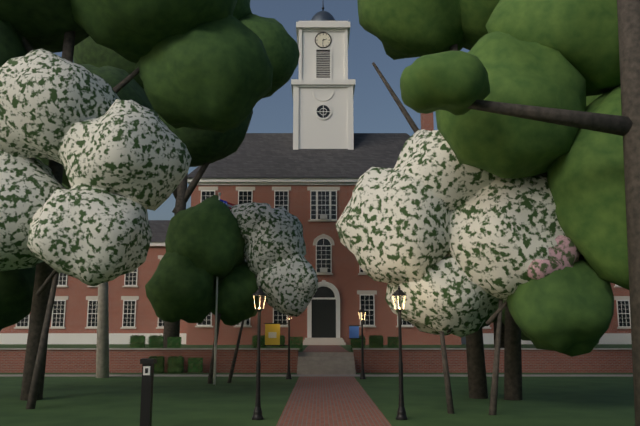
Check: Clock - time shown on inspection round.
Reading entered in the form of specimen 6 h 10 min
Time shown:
2 h 31 min
